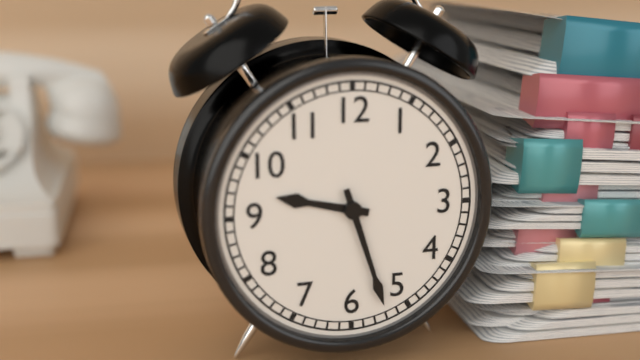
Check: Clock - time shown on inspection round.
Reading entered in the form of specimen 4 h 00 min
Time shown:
9 h 27 min
